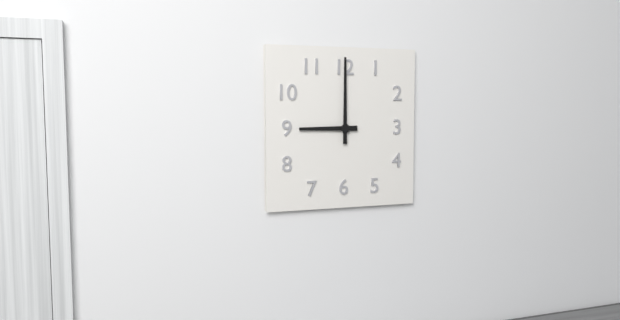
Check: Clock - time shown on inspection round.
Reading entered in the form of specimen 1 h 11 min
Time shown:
9 h 00 min
